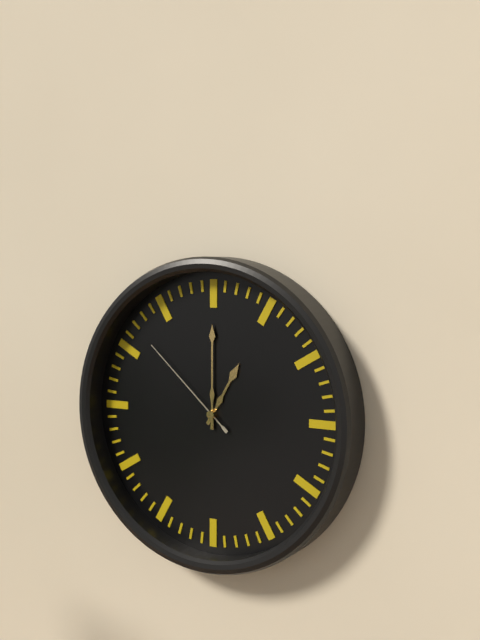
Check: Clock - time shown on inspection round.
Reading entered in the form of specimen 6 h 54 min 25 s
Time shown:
1 h 00 min 52 s
